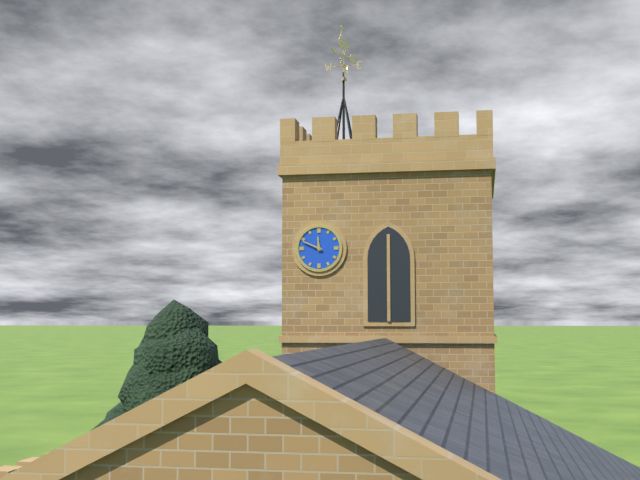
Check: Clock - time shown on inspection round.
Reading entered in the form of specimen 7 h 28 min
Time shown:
11 h 49 min
